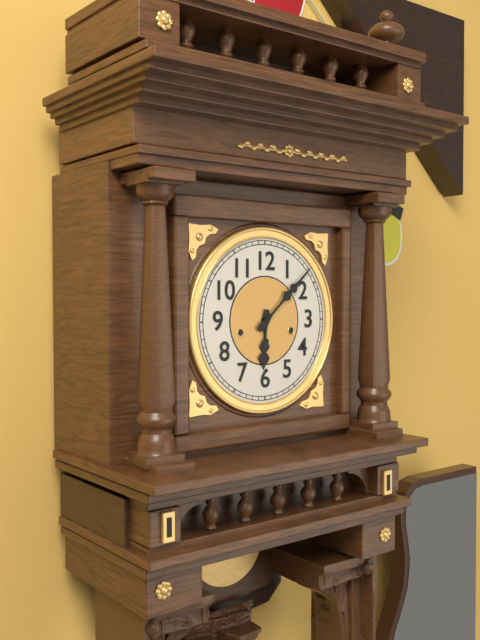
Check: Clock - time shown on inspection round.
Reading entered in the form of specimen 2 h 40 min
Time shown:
6 h 08 min
